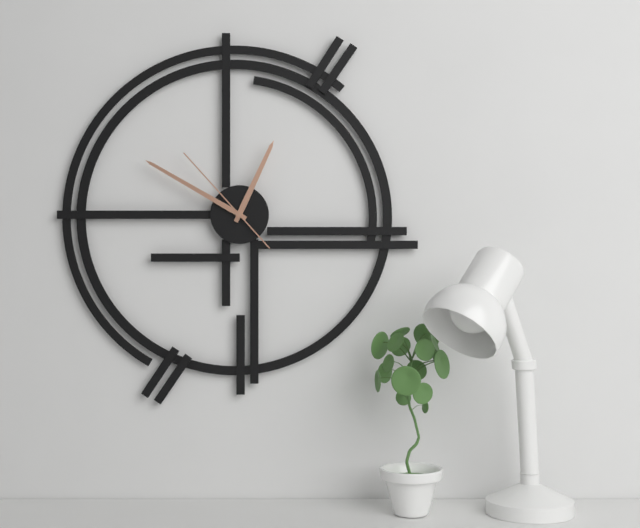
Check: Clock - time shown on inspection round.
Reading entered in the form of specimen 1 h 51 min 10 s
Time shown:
12 h 50 min 53 s
